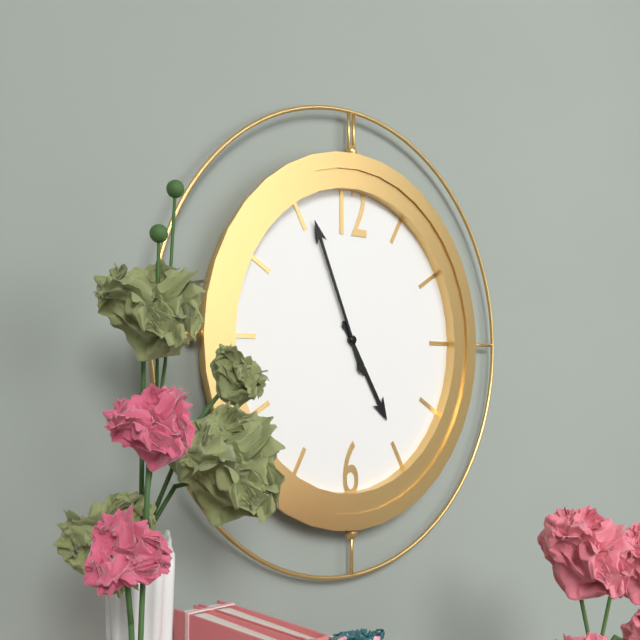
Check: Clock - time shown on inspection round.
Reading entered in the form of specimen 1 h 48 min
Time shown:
4 h 56 min
